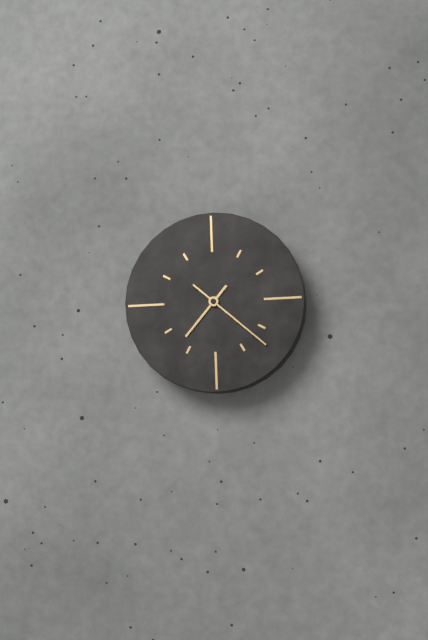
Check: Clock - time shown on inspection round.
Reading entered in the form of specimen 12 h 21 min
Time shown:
7 h 22 min
